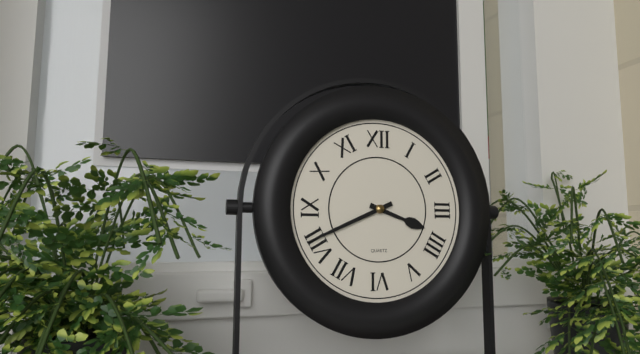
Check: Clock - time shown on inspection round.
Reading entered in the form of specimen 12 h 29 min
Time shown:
3 h 41 min
